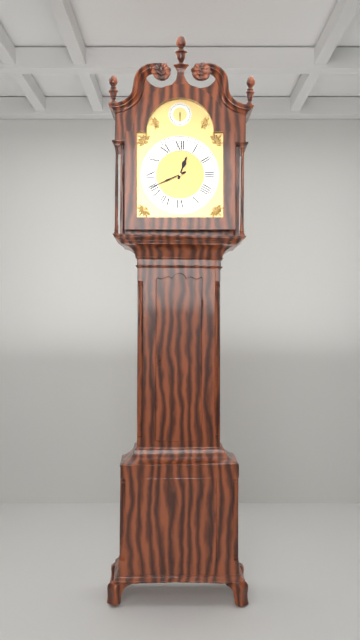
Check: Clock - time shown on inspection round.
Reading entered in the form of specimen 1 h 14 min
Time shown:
12 h 41 min
